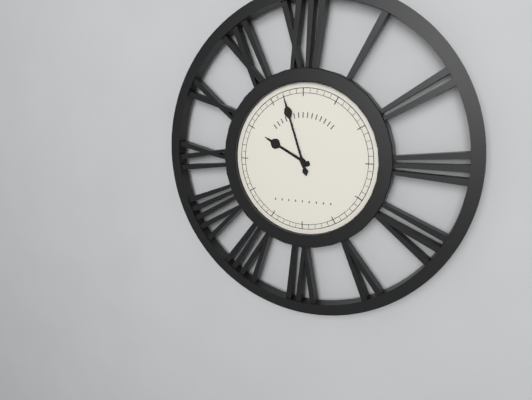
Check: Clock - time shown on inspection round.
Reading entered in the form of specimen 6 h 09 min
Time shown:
9 h 57 min
